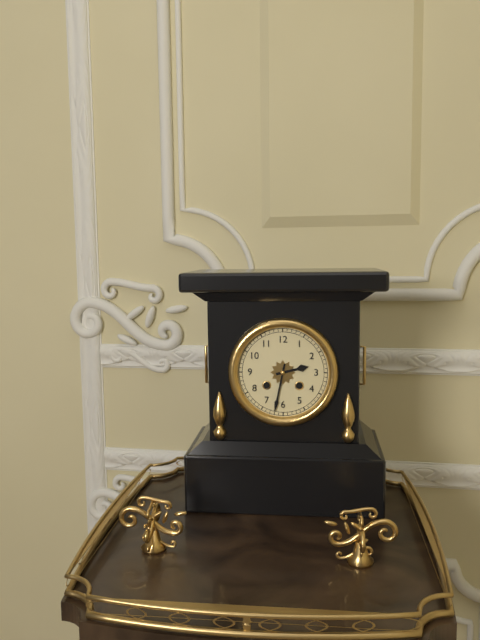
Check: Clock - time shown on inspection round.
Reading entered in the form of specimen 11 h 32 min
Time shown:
2 h 32 min
